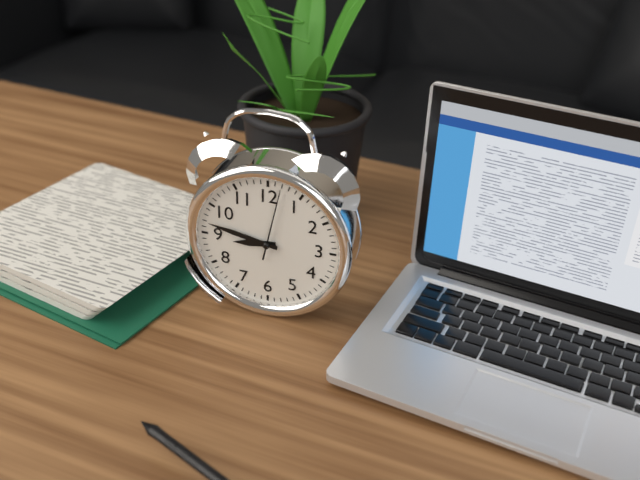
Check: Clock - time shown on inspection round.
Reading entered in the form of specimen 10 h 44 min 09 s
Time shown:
8 h 47 min 02 s
